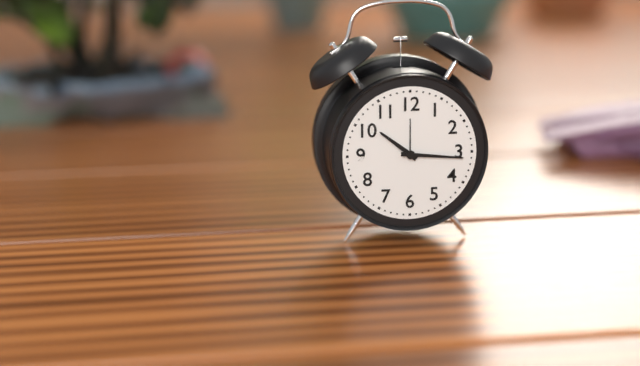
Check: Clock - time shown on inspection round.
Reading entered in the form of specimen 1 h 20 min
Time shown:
10 h 16 min
